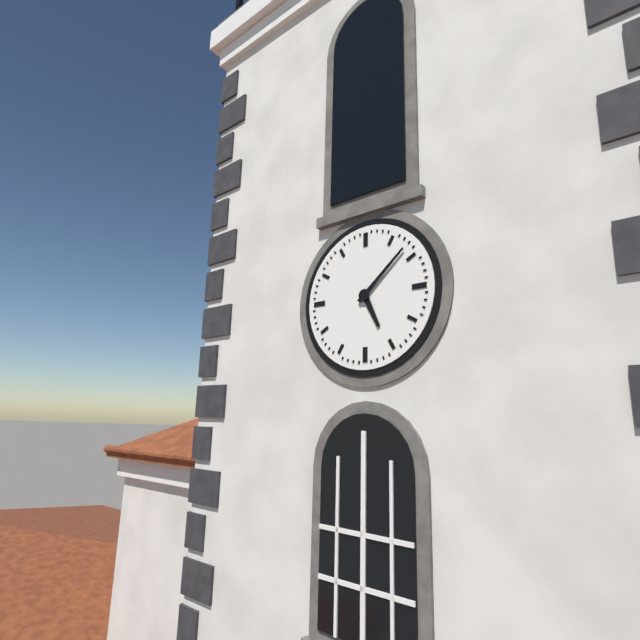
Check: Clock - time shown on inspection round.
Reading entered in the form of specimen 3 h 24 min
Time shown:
5 h 08 min
